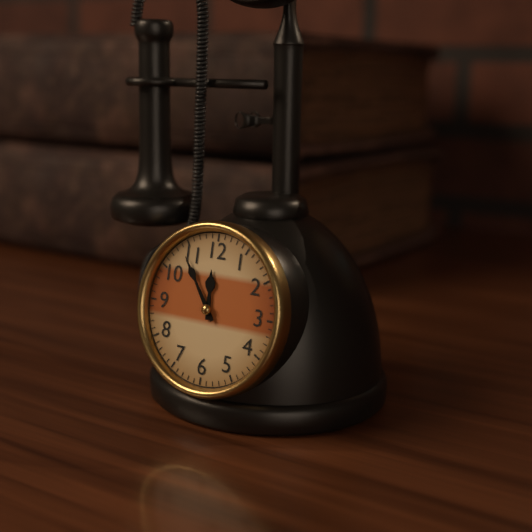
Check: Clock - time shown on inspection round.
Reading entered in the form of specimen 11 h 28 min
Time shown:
11 h 54 min
